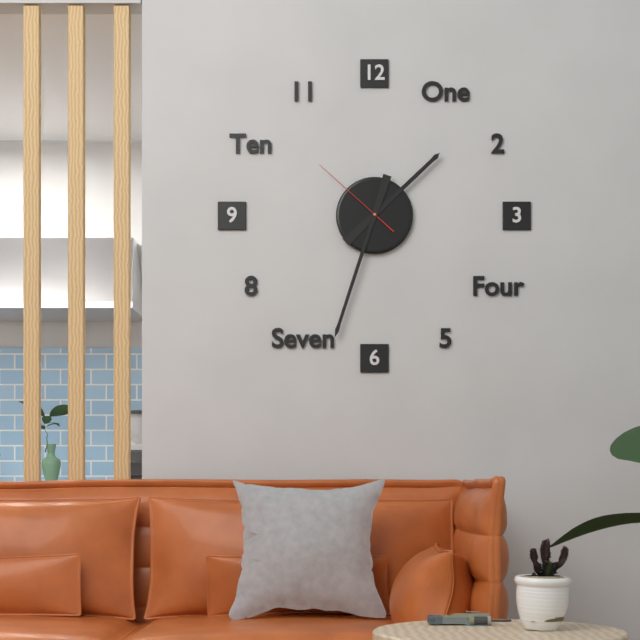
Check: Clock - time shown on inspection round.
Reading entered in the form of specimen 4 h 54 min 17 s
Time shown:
1 h 33 min 52 s
